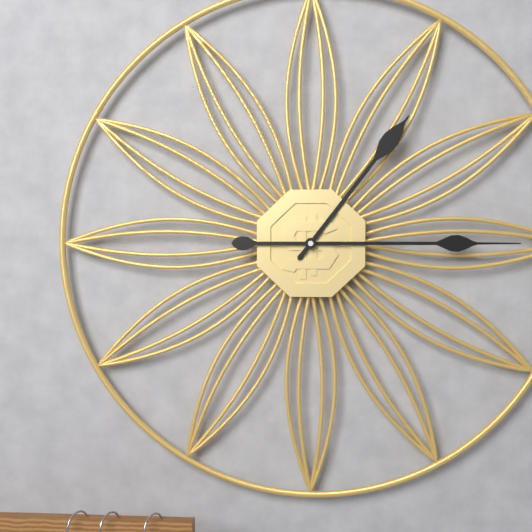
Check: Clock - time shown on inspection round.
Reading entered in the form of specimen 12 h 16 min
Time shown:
1 h 15 min
